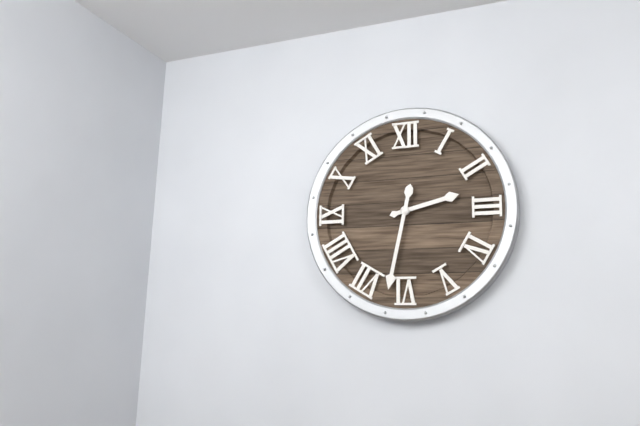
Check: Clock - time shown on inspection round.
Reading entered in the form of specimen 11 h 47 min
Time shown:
2 h 32 min
